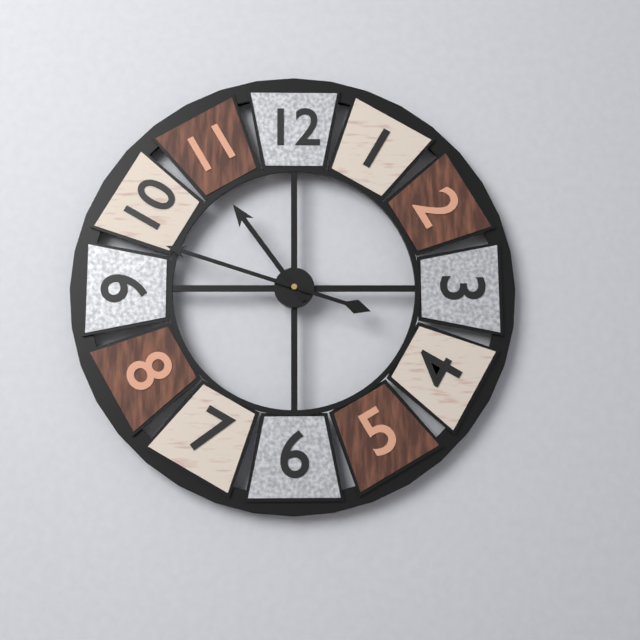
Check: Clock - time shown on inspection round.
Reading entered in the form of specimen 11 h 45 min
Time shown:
10 h 48 min
